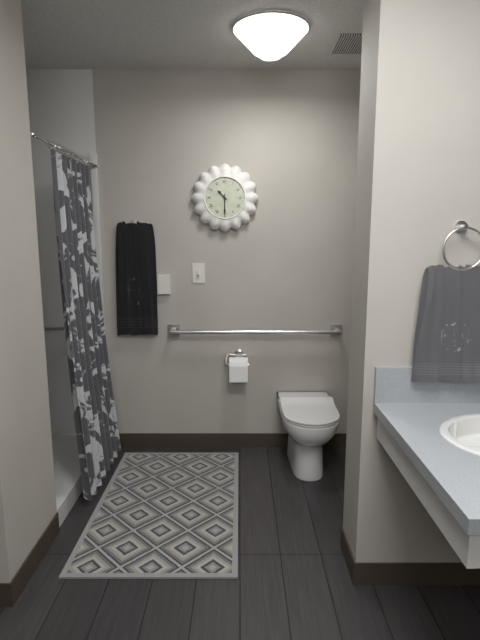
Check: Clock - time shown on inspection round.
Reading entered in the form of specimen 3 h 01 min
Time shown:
10 h 30 min
